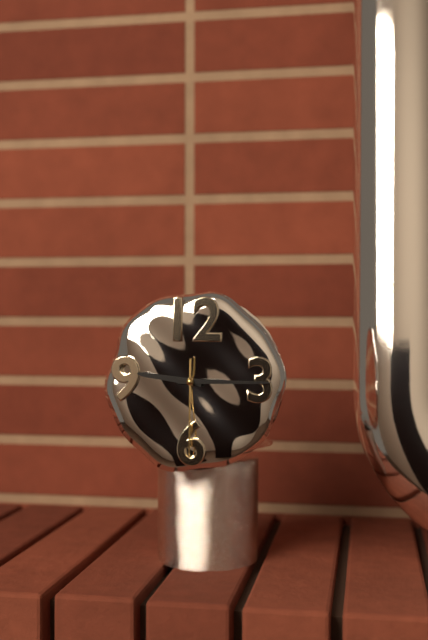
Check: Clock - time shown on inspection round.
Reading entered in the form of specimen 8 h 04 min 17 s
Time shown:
9 h 15 min 30 s
